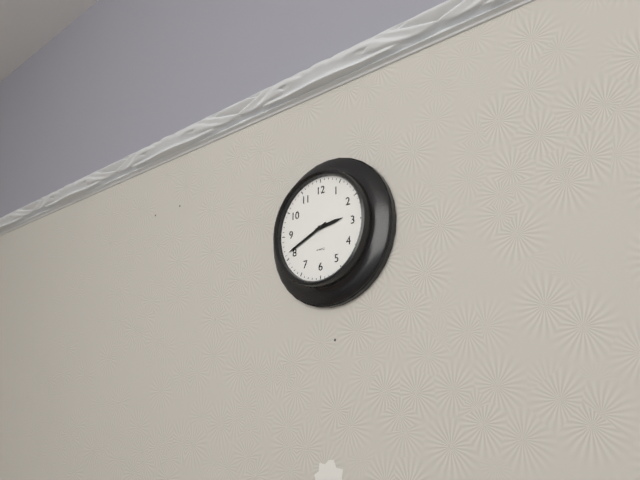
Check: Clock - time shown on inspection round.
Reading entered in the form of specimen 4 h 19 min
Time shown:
2 h 41 min
